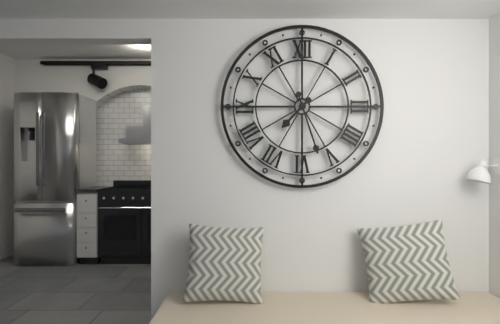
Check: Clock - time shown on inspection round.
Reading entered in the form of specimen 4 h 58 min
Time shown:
7 h 27 min
